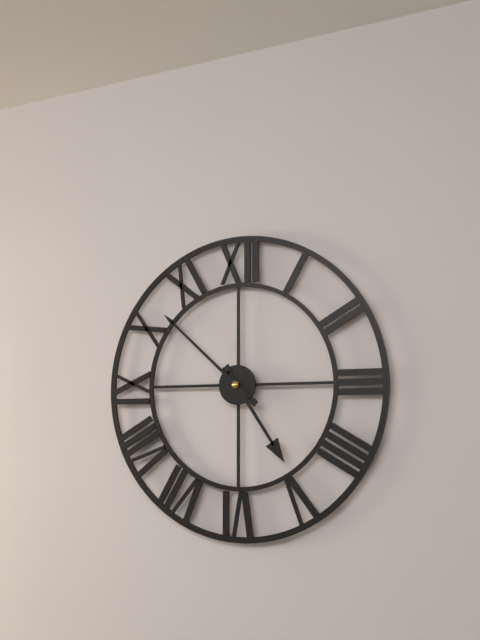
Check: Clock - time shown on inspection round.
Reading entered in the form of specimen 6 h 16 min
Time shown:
4 h 52 min
